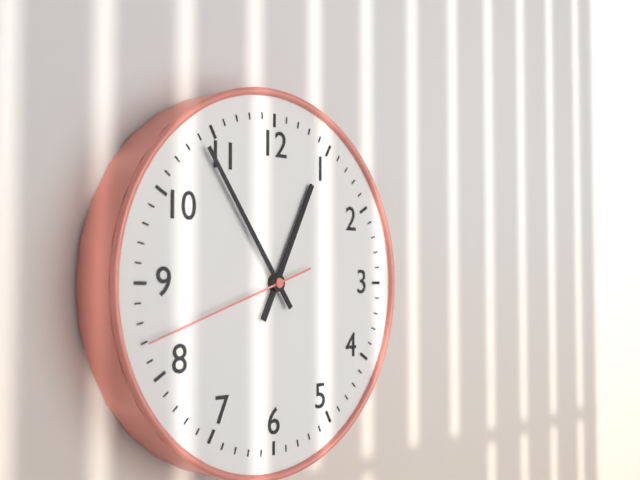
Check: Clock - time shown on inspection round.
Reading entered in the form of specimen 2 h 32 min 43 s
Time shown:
12 h 54 min 42 s
